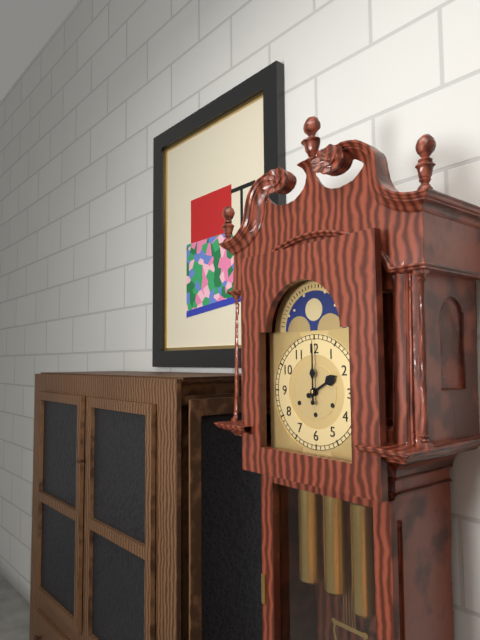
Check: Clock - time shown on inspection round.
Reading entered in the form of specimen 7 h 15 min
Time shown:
2 h 00 min
